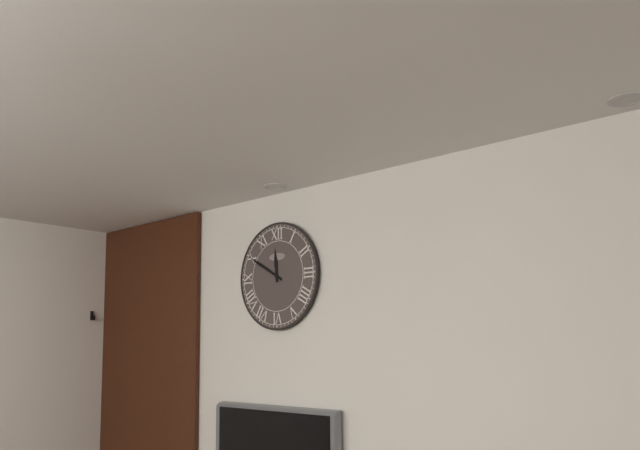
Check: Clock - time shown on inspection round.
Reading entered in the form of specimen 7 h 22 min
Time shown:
11 h 50 min
